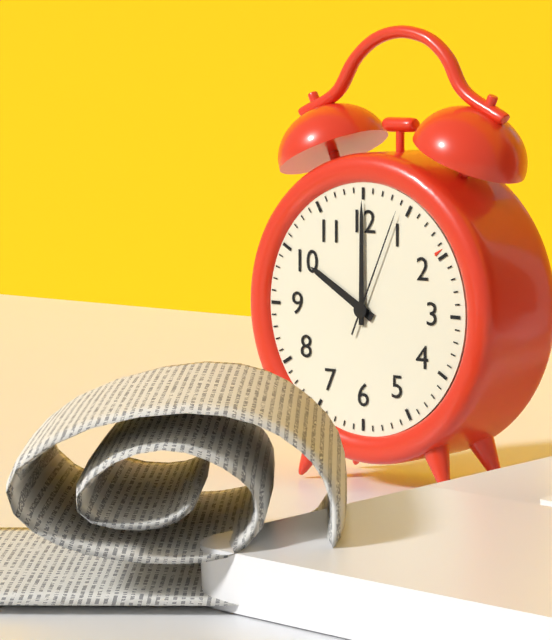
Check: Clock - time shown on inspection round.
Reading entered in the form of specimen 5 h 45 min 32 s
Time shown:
10 h 00 min 04 s
